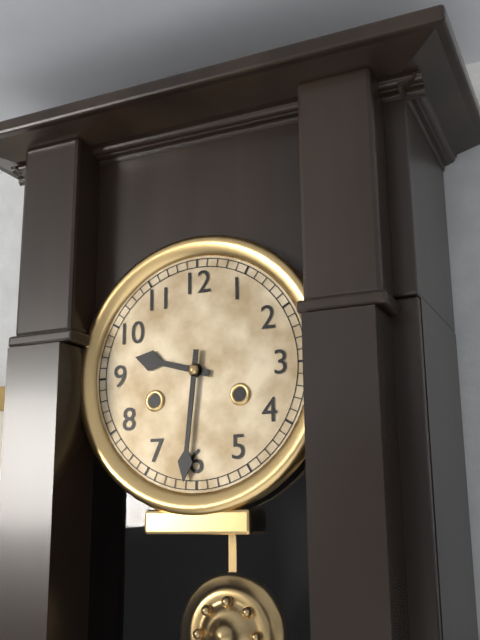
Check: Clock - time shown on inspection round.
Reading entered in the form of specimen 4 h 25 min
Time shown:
9 h 31 min
